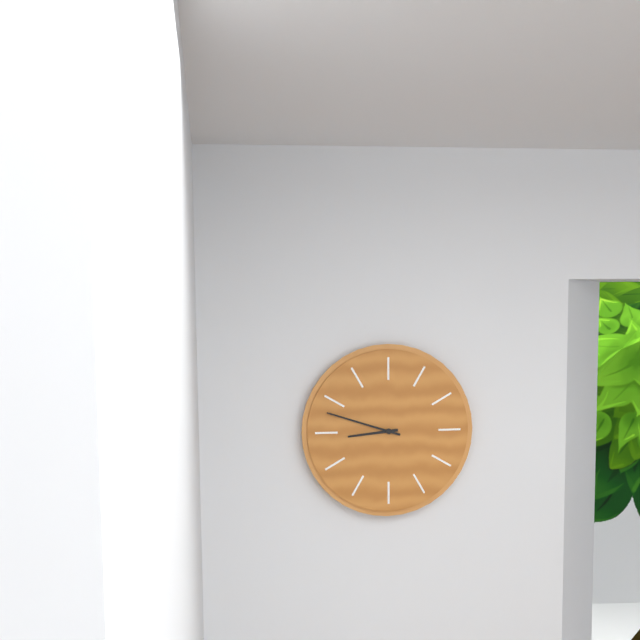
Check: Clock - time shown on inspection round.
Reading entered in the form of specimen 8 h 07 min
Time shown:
8 h 48 min
